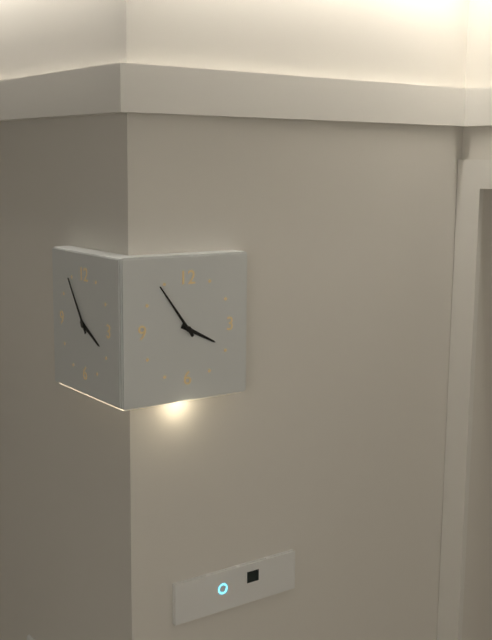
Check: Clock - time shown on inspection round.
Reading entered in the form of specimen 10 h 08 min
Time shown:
3 h 54 min
